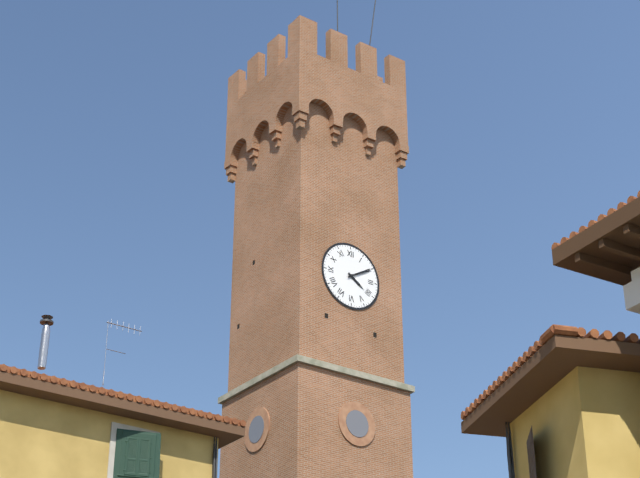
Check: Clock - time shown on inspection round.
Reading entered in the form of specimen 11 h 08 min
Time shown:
4 h 10 min
